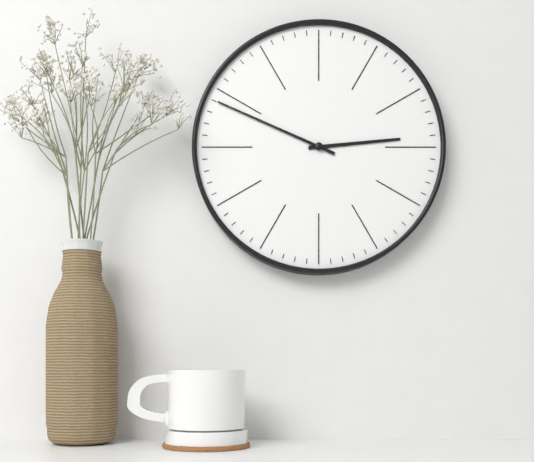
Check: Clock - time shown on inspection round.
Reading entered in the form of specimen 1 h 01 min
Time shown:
2 h 49 min
